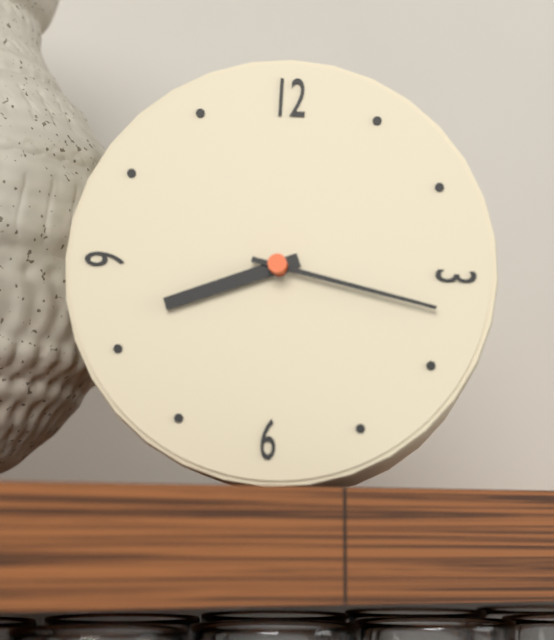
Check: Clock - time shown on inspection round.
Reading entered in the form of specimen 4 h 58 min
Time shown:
8 h 17 min
